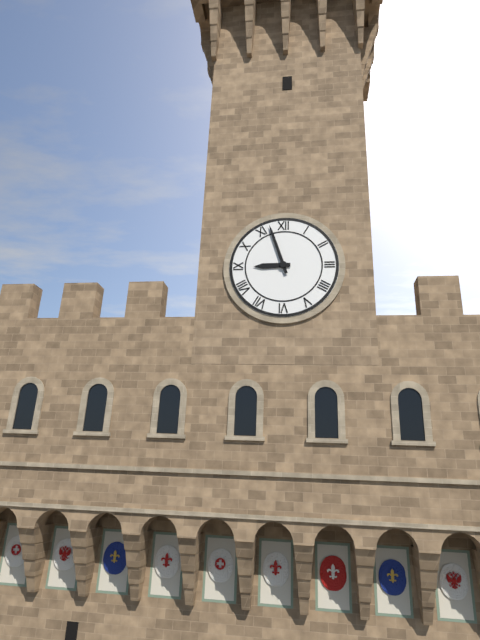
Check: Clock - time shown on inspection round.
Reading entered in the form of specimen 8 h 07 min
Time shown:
8 h 57 min
